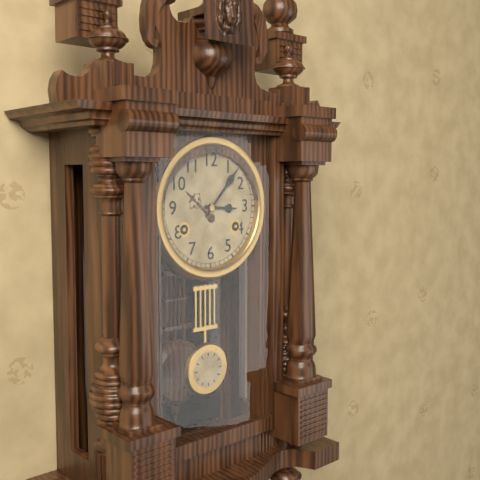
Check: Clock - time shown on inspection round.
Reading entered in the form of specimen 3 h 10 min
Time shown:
3 h 07 min
